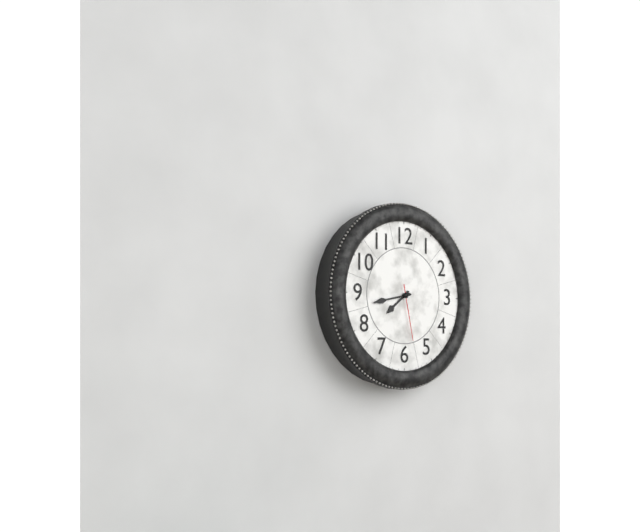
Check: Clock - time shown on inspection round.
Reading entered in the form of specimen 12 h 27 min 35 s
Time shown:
7 h 43 min 28 s
